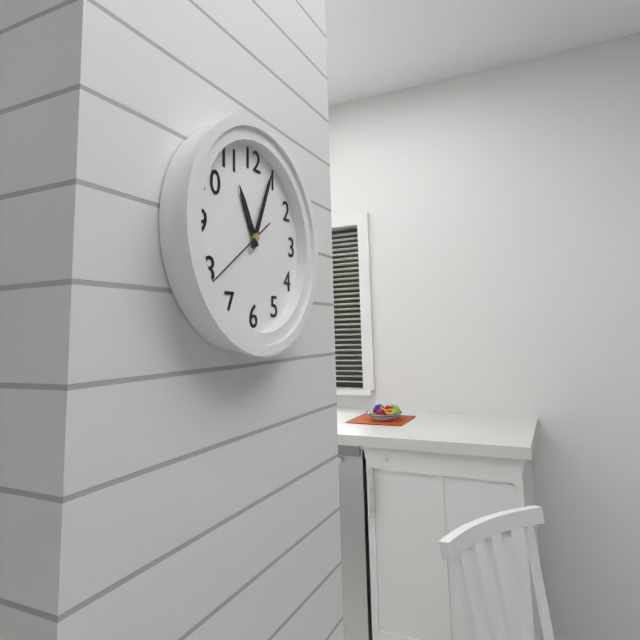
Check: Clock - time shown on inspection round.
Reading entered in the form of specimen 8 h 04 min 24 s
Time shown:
11 h 04 min 39 s
